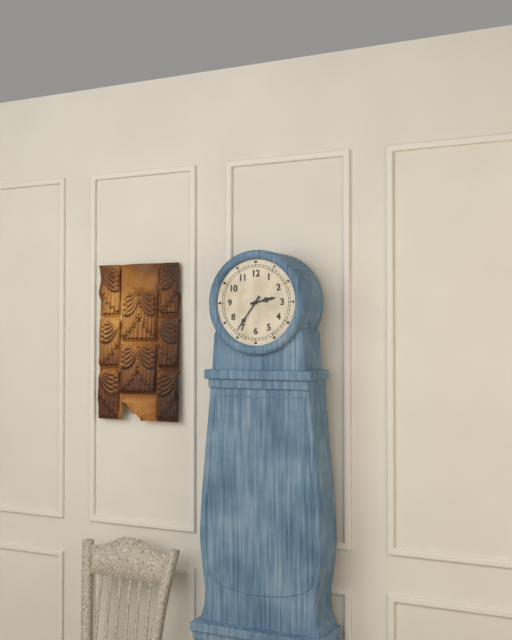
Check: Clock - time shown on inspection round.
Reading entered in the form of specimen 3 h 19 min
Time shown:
2 h 36 min
